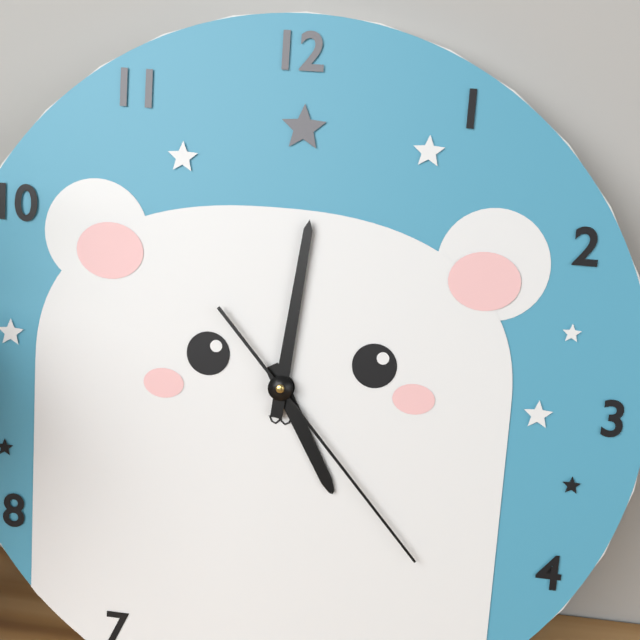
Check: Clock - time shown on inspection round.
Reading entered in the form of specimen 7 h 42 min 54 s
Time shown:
5 h 01 min 23 s
